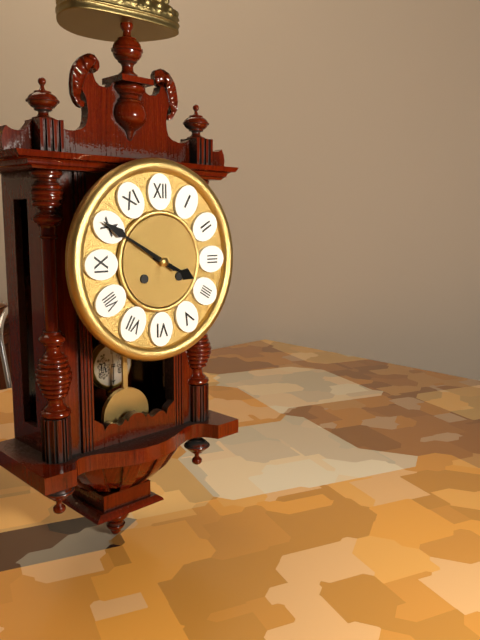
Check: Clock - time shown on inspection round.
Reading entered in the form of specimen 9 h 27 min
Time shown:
3 h 50 min
